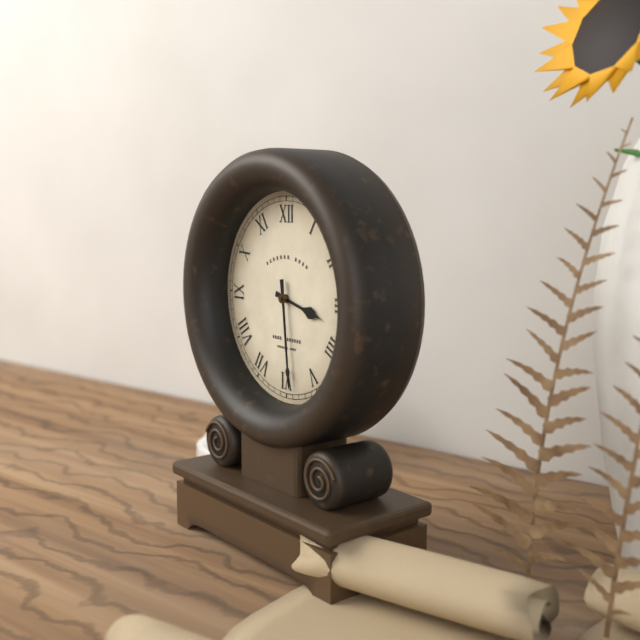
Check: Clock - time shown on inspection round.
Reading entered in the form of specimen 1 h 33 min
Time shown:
3 h 29 min
